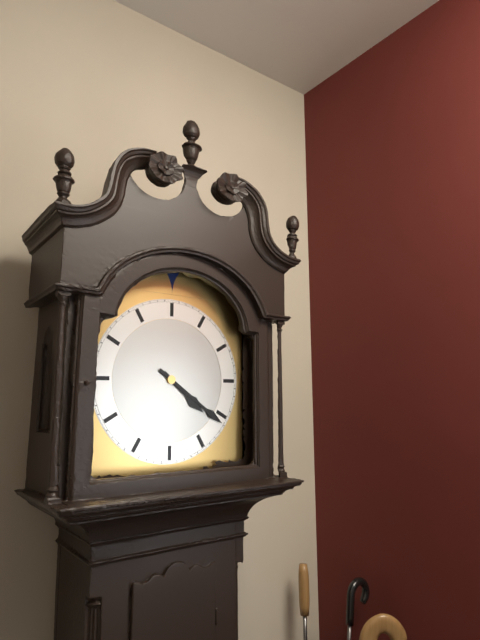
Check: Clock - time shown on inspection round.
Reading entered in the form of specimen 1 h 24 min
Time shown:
4 h 21 min
